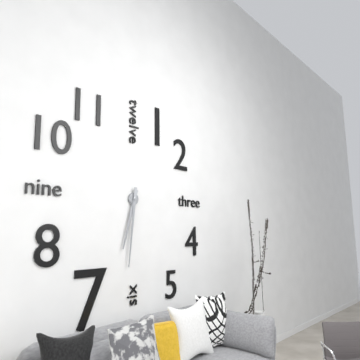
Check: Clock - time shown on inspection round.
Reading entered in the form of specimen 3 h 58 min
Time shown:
6 h 31 min
